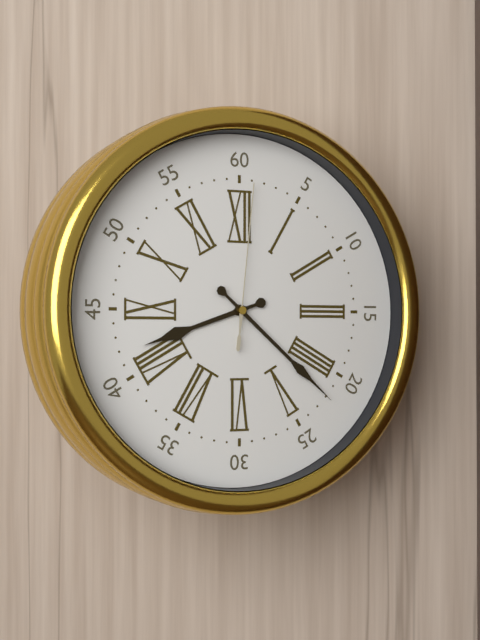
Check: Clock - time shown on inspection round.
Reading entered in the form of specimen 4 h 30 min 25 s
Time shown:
8 h 22 min 01 s
